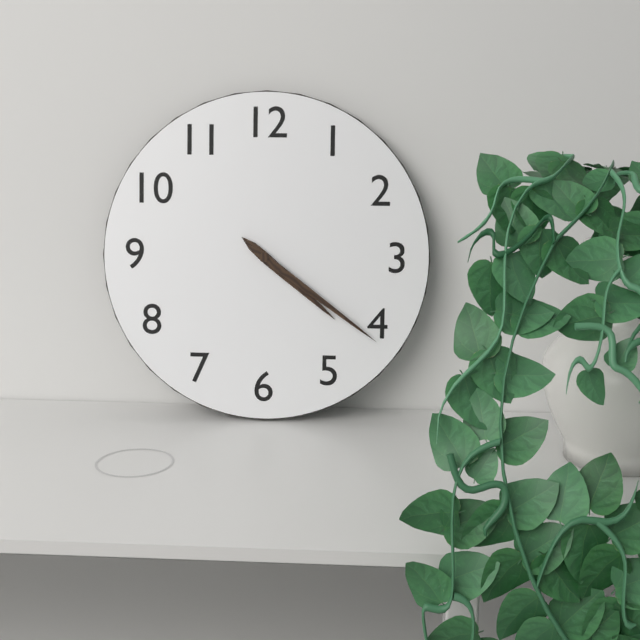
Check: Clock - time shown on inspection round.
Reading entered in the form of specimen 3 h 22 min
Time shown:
4 h 21 min
